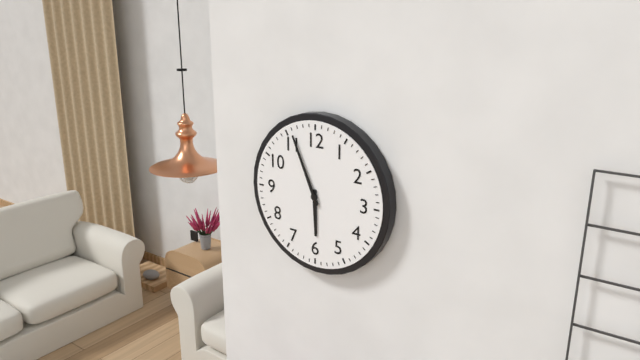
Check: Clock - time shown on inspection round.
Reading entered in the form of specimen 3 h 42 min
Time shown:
5 h 56 min
